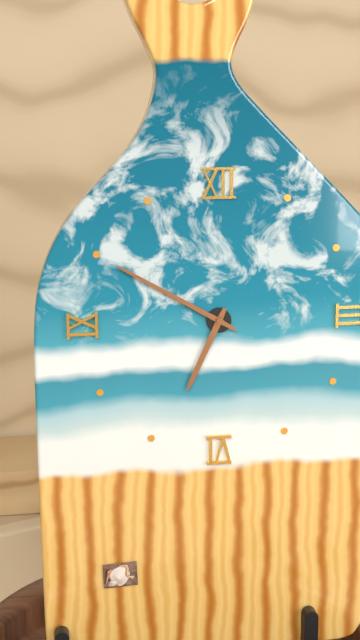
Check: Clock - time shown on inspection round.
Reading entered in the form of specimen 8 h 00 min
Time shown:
6 h 50 min
